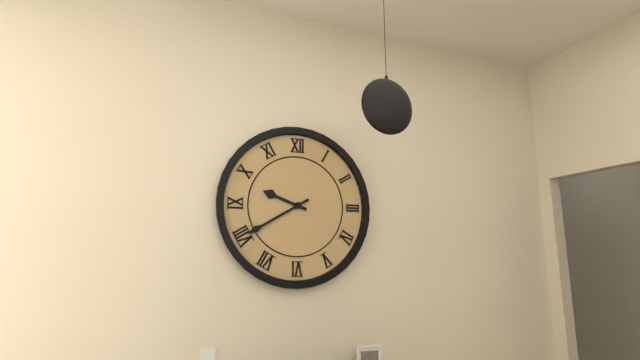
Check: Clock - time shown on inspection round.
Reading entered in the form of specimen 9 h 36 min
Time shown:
9 h 40 min
